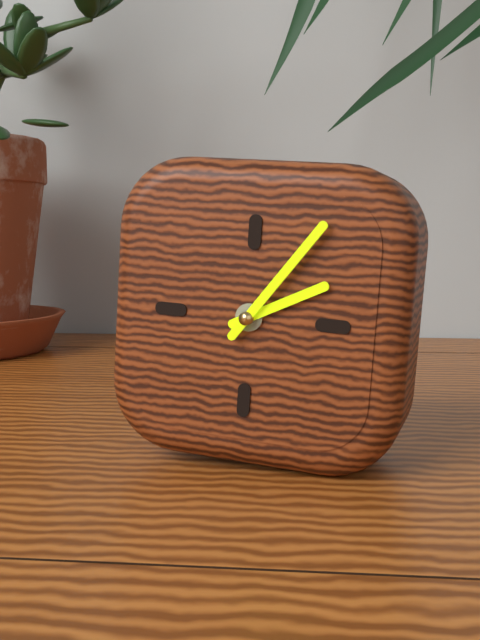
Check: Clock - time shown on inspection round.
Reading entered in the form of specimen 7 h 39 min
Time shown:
2 h 06 min
